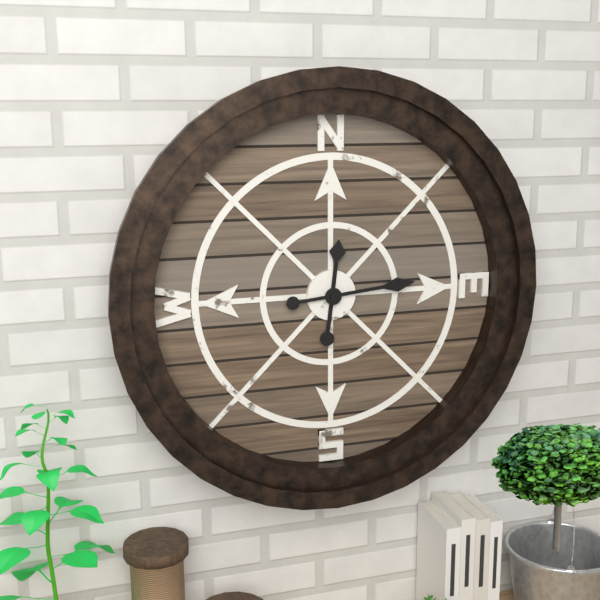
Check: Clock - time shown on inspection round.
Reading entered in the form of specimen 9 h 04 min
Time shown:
12 h 14 min
